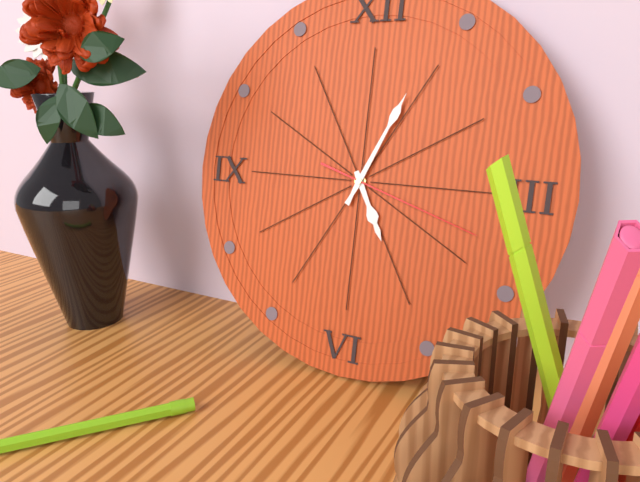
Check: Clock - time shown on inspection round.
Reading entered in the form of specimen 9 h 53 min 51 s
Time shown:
5 h 04 min 18 s
